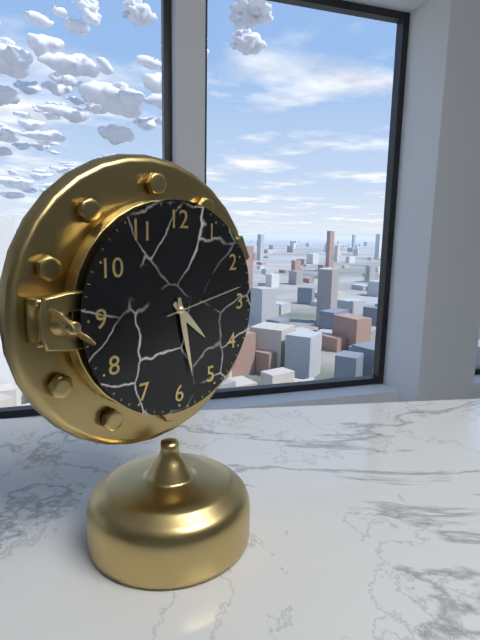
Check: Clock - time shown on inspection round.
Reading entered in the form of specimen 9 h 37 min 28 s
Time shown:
4 h 28 min 13 s
